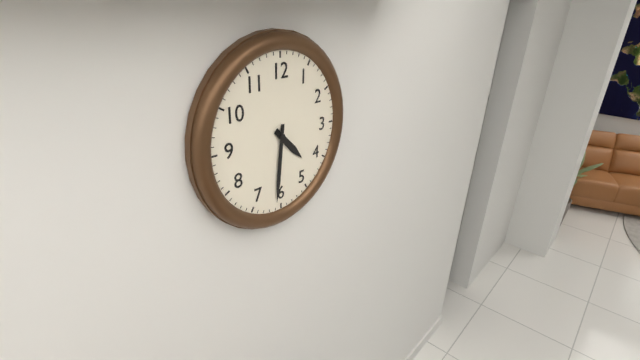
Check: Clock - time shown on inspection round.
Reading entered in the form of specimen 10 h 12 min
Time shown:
4 h 31 min
